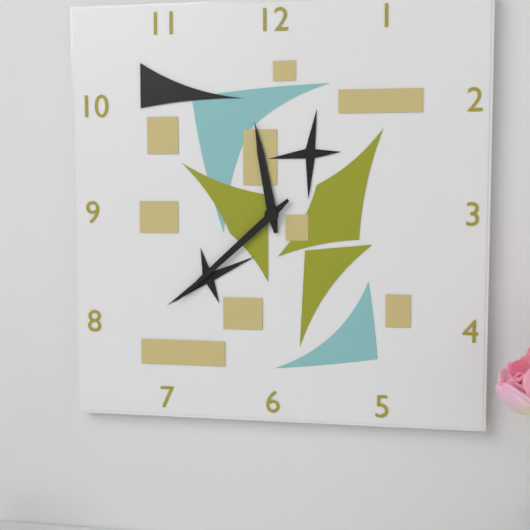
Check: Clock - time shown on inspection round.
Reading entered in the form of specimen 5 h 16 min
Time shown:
11 h 38 min
